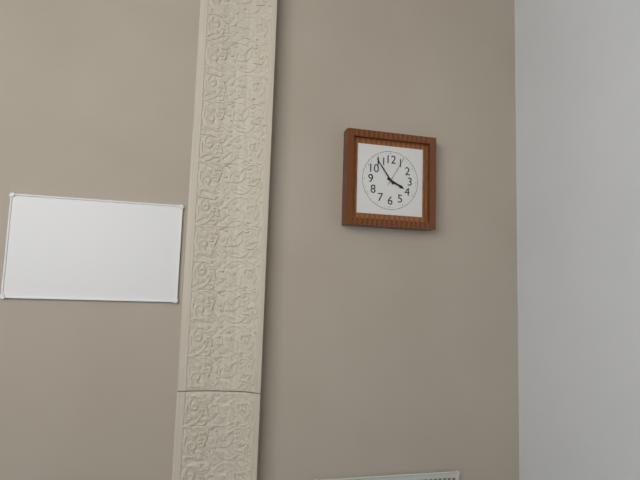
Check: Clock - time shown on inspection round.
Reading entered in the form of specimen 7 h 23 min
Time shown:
3 h 54 min
